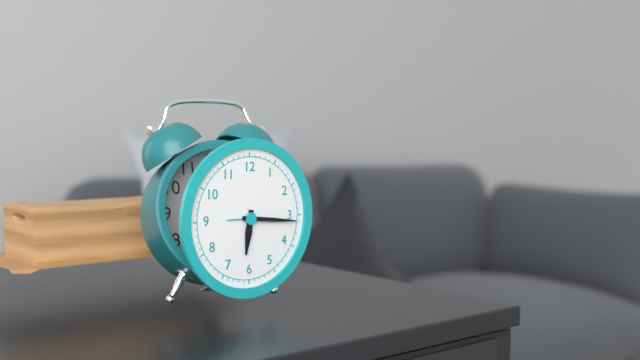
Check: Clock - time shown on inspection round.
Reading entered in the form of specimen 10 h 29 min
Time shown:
6 h 16 min
